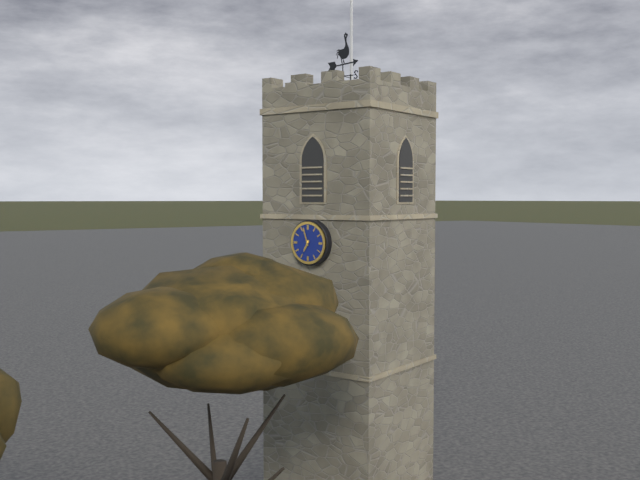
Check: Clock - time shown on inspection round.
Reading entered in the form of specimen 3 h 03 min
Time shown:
6 h 57 min
